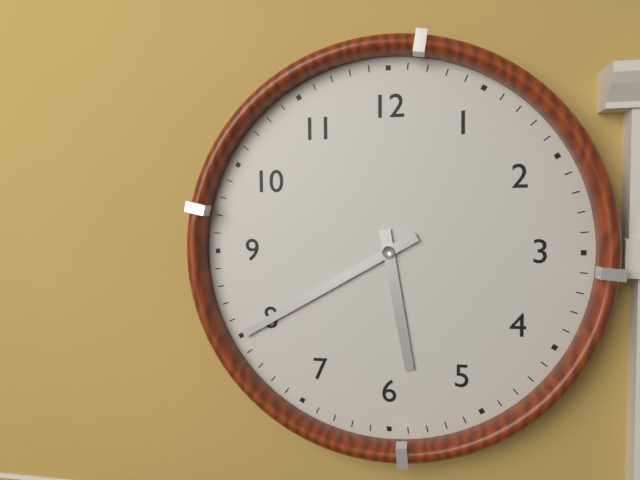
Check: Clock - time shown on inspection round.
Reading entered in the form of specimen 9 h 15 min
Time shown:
5 h 40 min
